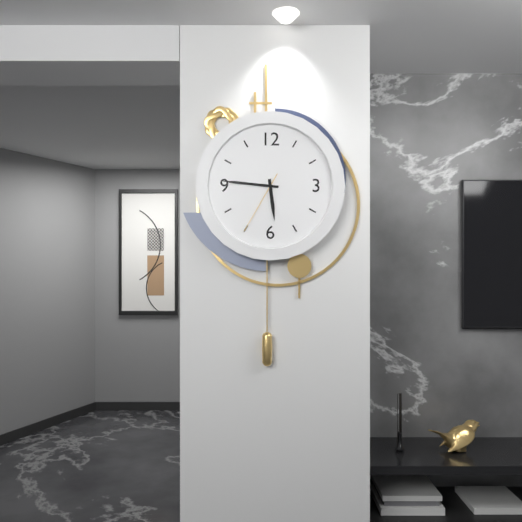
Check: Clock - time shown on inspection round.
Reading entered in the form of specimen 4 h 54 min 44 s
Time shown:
5 h 46 min 35 s
